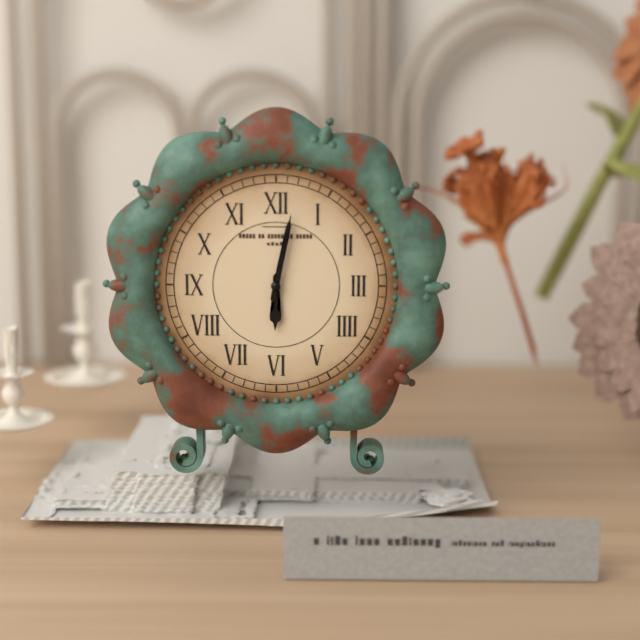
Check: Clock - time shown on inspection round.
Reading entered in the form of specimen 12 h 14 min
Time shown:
6 h 02 min
